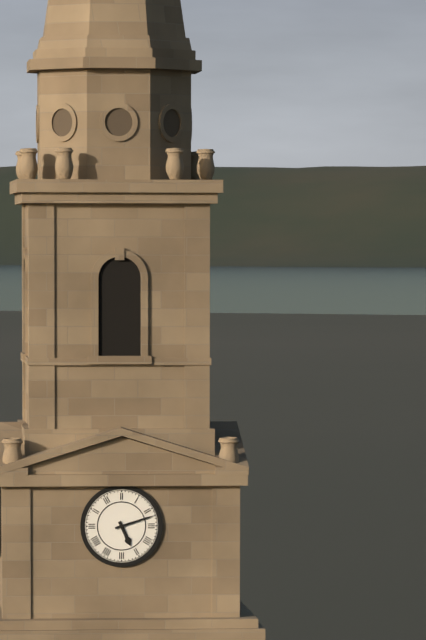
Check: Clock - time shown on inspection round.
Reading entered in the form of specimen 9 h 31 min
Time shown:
5 h 12 min
